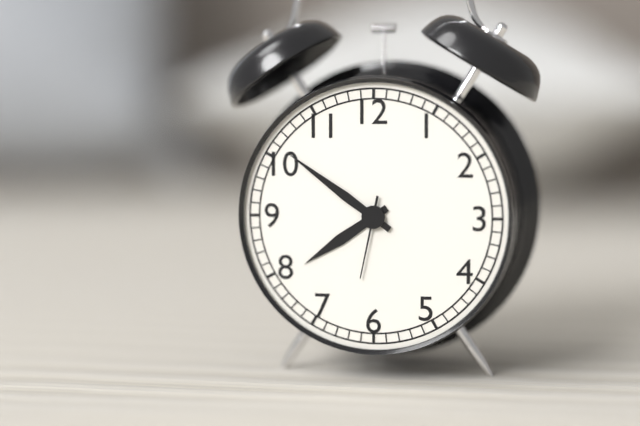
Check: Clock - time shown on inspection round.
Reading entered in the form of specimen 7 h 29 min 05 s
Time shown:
7 h 51 min 32 s
